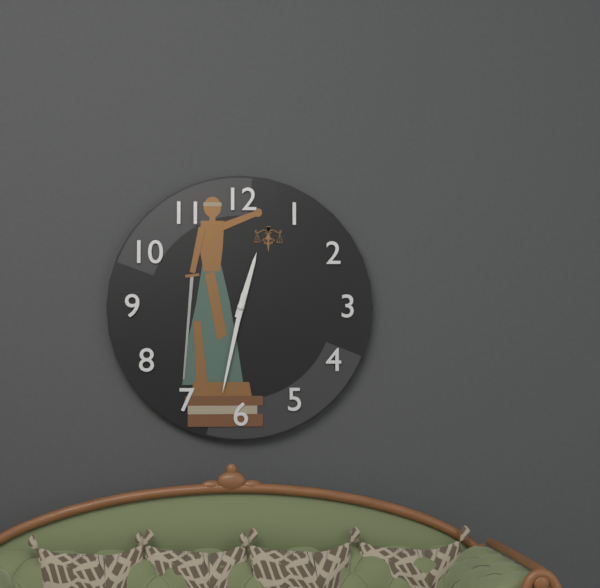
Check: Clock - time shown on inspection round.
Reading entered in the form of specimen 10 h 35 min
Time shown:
12 h 32 min
